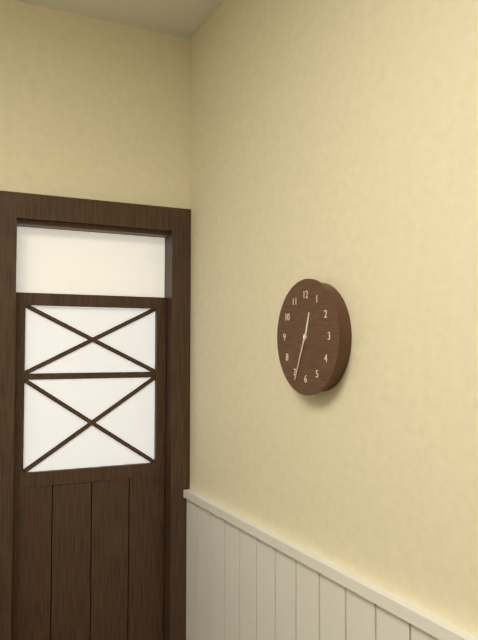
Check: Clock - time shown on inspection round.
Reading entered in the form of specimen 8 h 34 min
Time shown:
12 h 34 min
